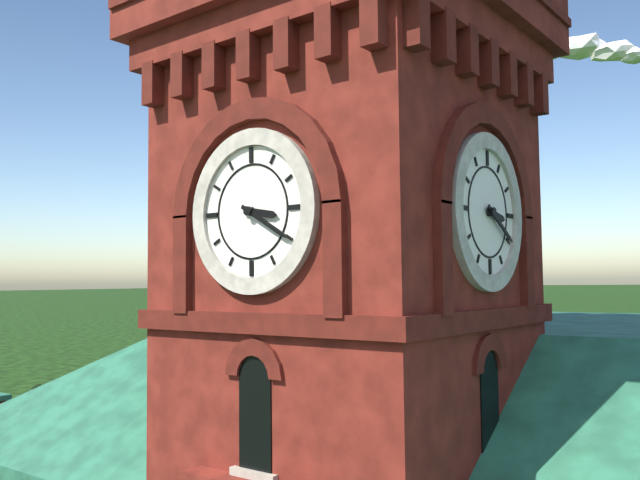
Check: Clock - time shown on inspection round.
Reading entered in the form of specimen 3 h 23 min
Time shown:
3 h 20 min
